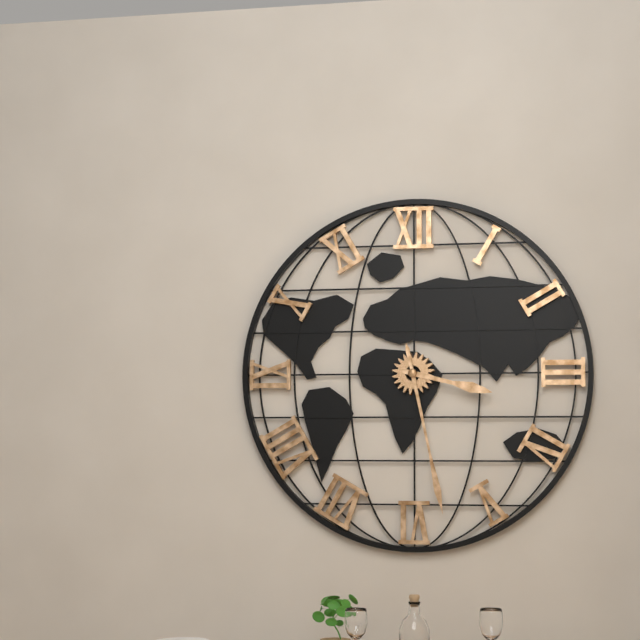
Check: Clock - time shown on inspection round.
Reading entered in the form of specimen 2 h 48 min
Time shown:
3 h 28 min
